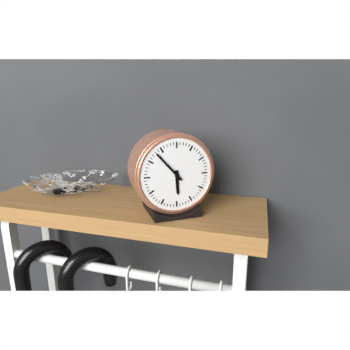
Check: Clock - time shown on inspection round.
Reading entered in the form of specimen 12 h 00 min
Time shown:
5 h 53 min
